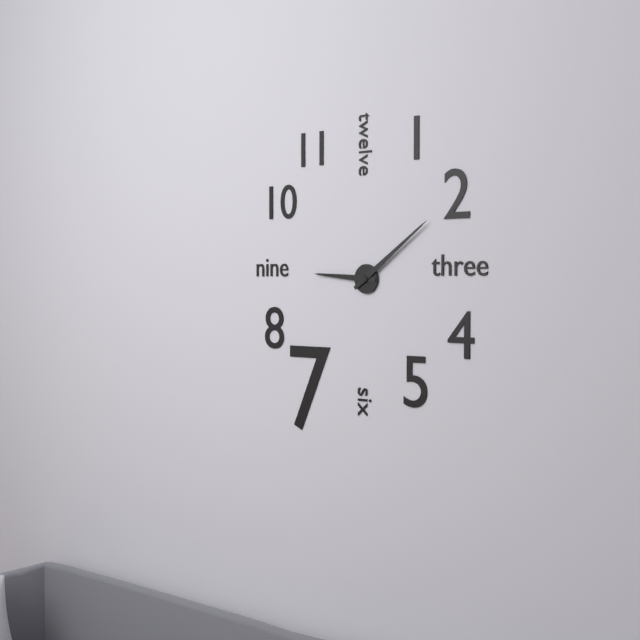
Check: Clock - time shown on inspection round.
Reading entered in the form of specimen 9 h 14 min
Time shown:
9 h 09 min
